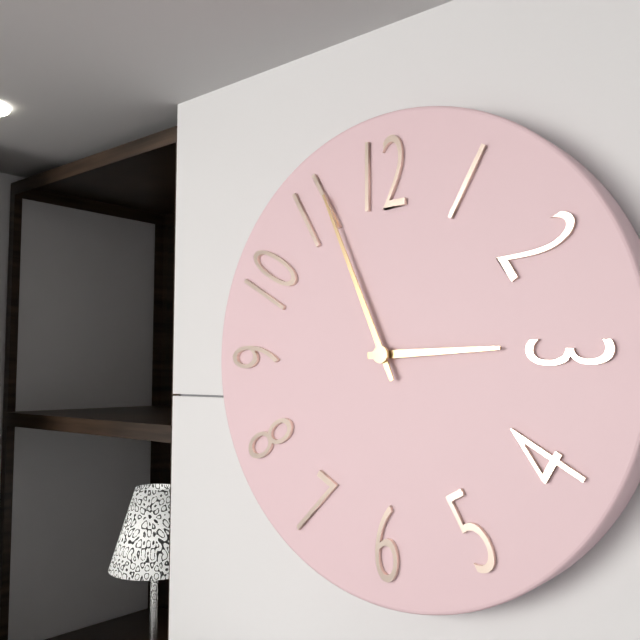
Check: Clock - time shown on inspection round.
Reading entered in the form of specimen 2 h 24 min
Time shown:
2 h 56 min
